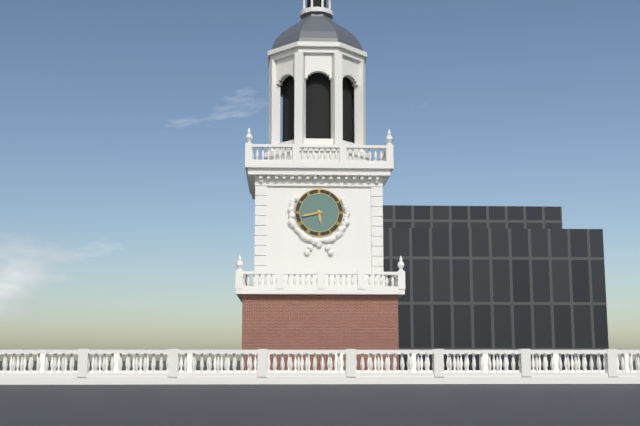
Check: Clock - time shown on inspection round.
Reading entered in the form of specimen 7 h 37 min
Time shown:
5 h 43 min
